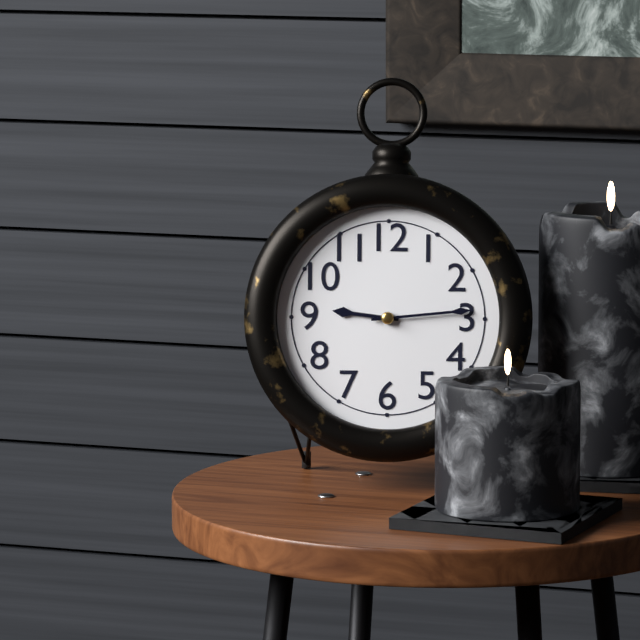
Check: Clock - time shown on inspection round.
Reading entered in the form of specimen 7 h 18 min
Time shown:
9 h 14 min
